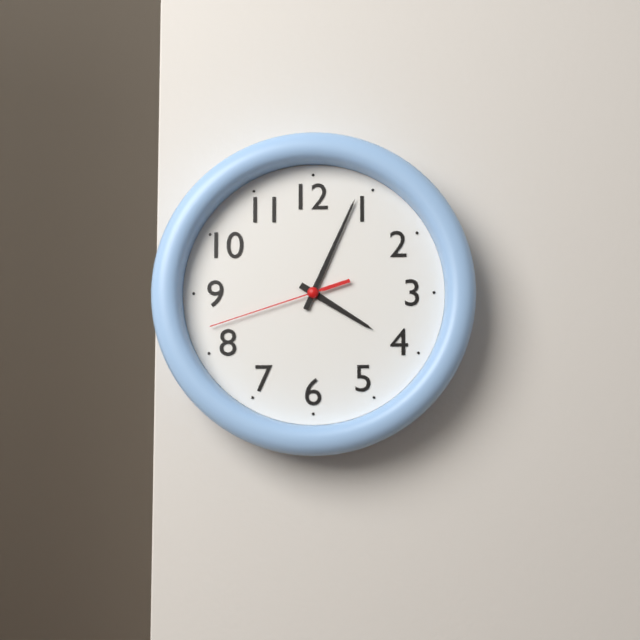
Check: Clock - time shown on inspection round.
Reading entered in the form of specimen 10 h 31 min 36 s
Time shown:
4 h 04 min 42 s
